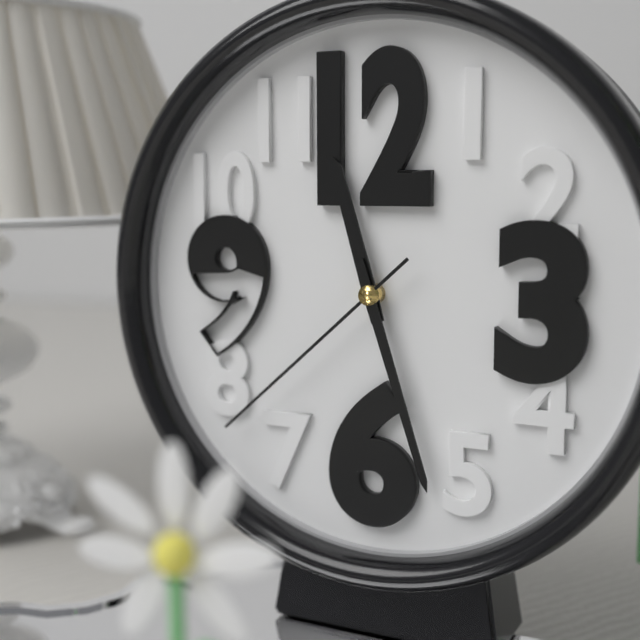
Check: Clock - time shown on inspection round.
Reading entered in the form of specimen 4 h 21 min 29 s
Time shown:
11 h 27 min 38 s
